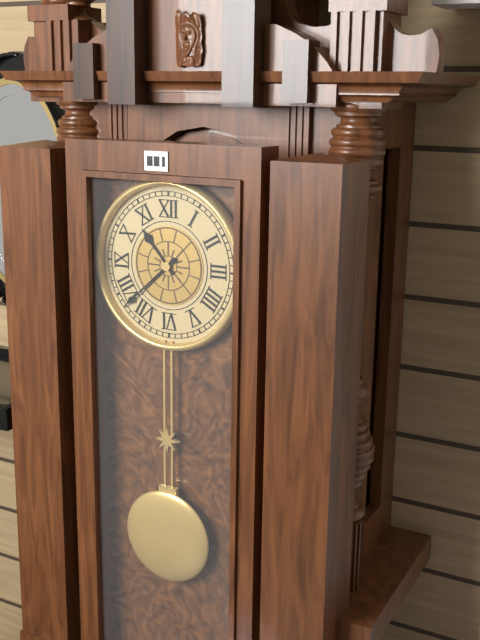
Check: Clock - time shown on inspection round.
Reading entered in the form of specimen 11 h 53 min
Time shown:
10 h 38 min
